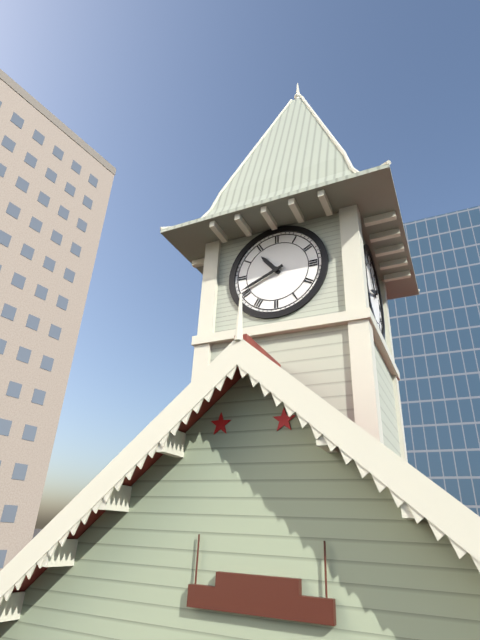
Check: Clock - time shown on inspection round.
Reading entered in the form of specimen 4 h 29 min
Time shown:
10 h 41 min
